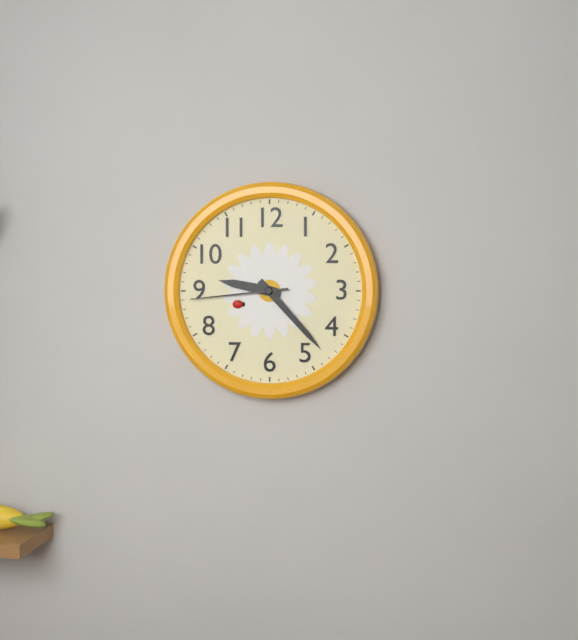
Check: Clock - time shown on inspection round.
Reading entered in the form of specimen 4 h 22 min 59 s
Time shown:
9 h 23 min 44 s
